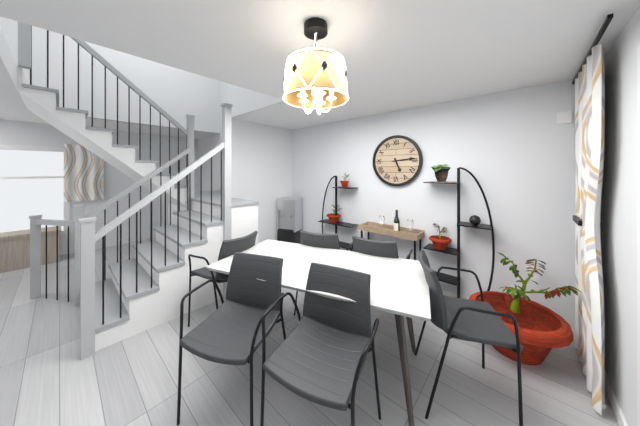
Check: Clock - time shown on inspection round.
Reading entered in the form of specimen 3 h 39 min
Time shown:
5 h 14 min
